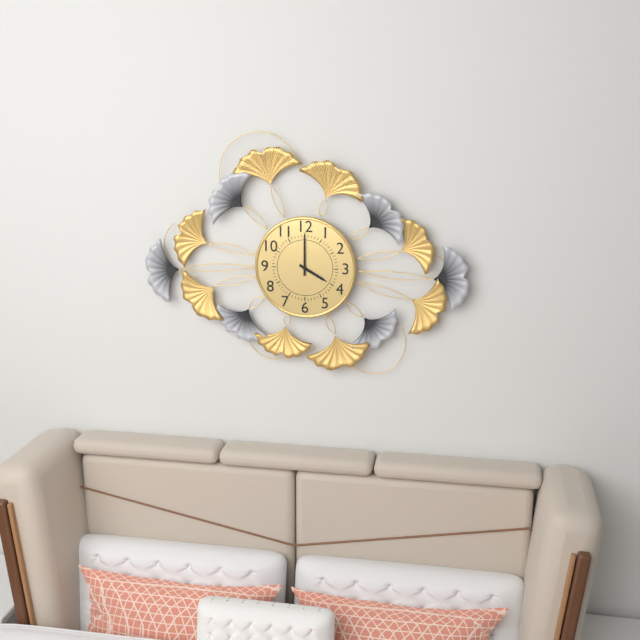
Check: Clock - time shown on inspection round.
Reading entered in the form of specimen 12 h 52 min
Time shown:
4 h 00 min
